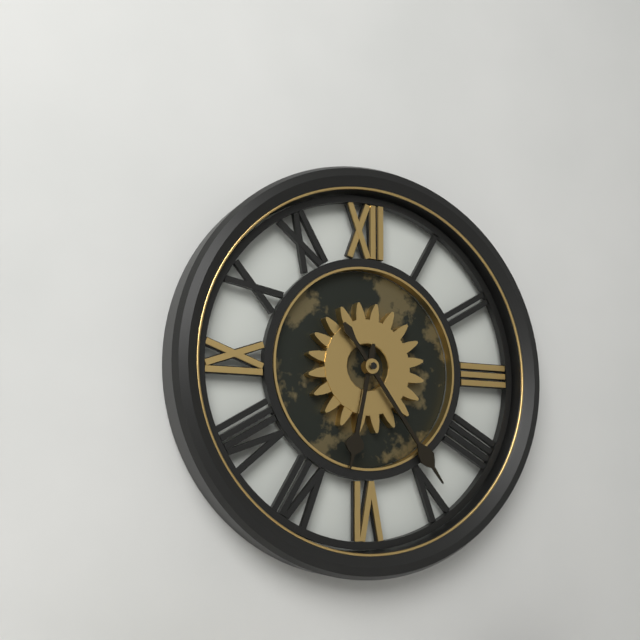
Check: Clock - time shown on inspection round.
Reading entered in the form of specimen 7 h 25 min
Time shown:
6 h 24 min
